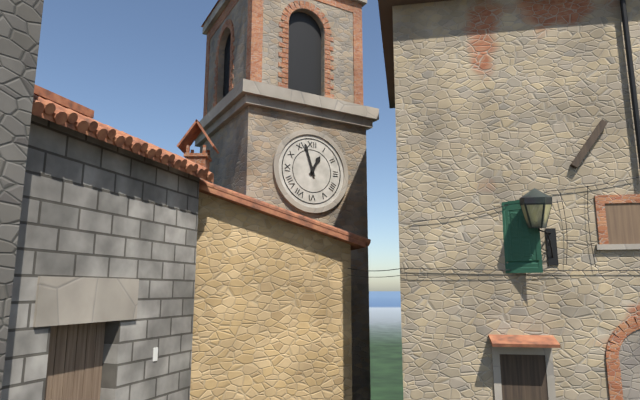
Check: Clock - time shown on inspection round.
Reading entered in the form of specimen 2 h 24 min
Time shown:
12 h 57 min
